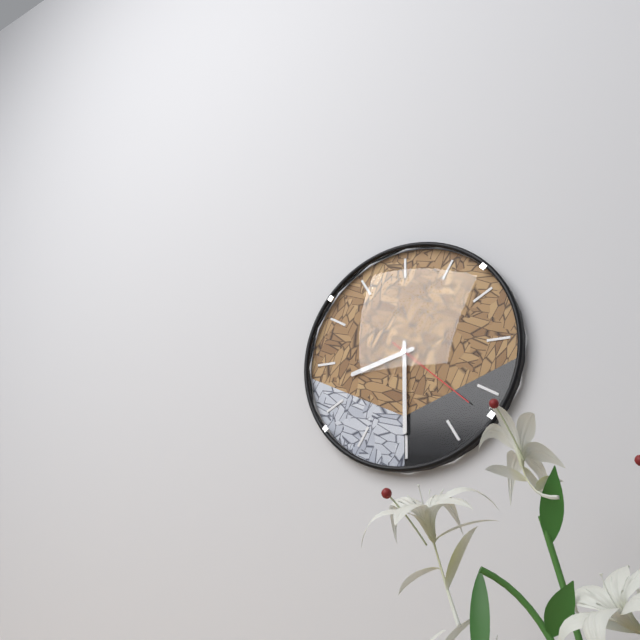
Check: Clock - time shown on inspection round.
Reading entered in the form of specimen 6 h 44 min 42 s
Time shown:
8 h 30 min 22 s
